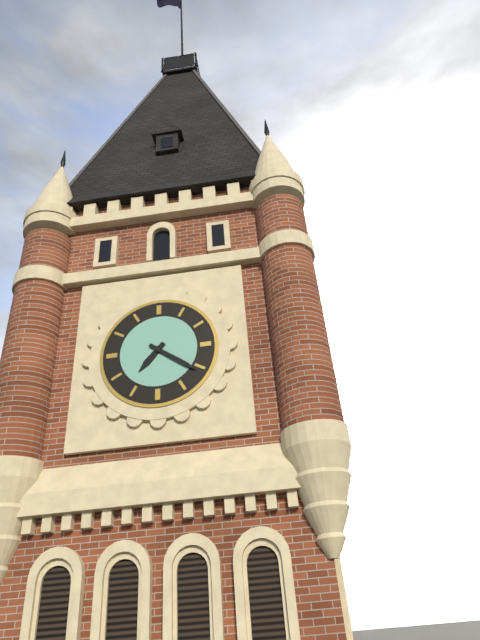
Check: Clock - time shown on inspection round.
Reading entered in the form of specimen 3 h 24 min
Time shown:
7 h 21 min
